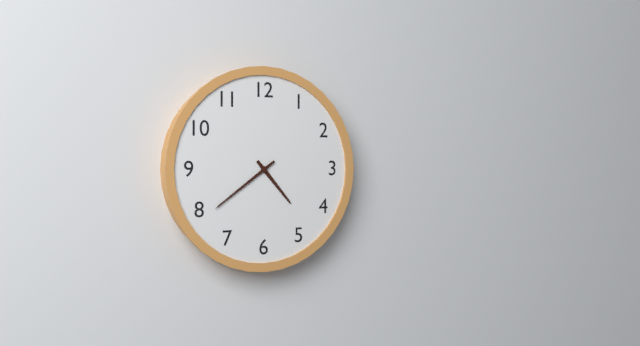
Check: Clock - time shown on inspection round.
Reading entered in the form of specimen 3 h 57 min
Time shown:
4 h 39 min
